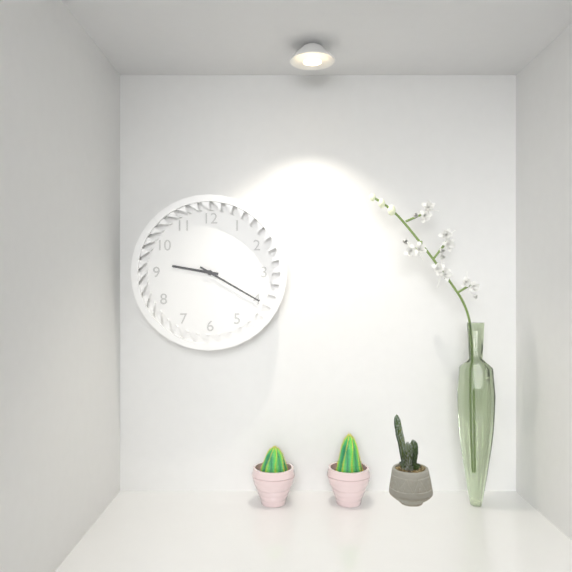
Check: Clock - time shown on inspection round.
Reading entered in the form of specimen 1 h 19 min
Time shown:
9 h 20 min
